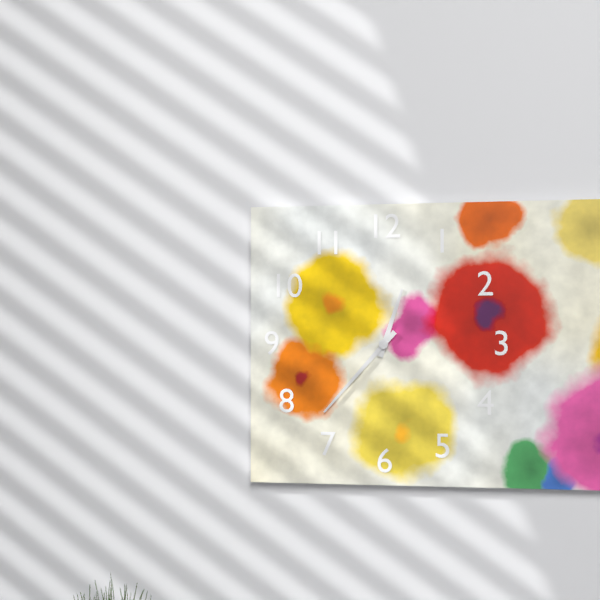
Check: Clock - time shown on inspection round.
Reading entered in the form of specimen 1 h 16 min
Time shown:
12 h 37 min
